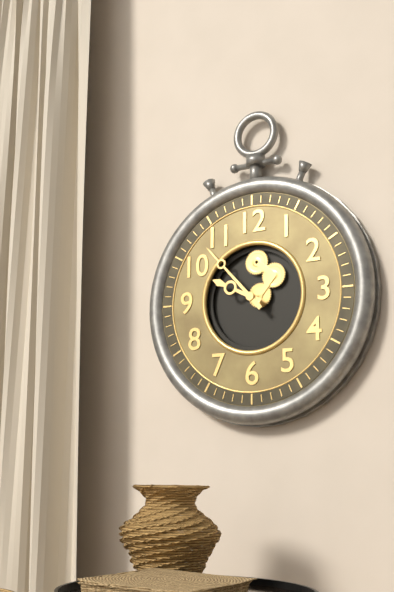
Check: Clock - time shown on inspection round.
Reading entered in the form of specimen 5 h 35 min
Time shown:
9 h 53 min
